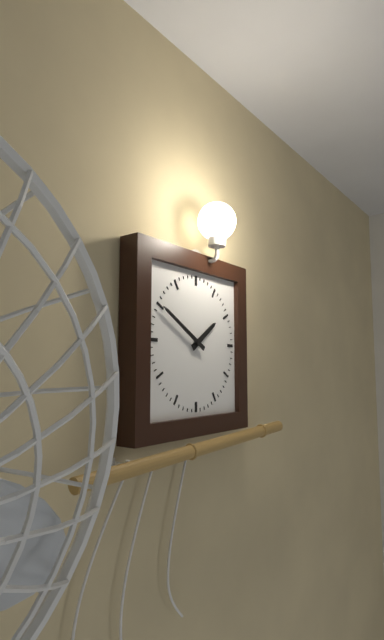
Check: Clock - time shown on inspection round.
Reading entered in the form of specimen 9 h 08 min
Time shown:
1 h 50 min
